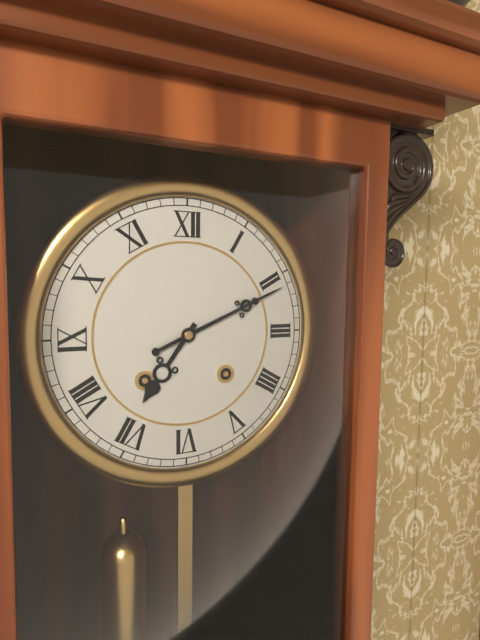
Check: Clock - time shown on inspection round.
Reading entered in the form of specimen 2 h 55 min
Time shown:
7 h 11 min
